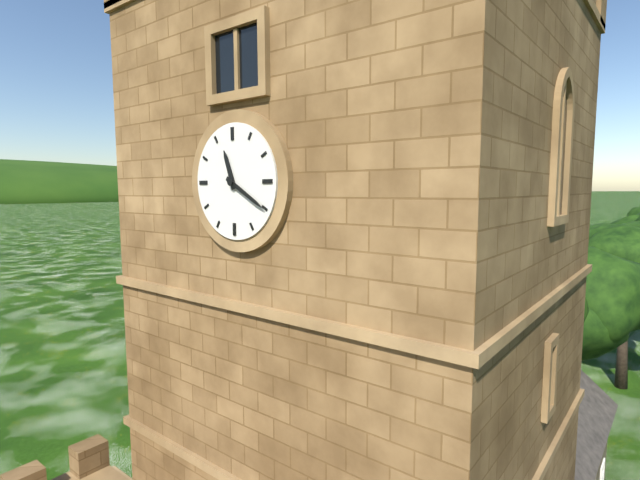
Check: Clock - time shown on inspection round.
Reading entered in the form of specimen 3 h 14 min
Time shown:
11 h 20 min
